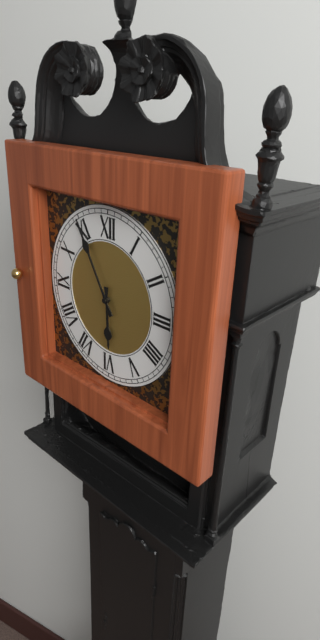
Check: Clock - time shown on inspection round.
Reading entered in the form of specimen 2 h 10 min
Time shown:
5 h 55 min
